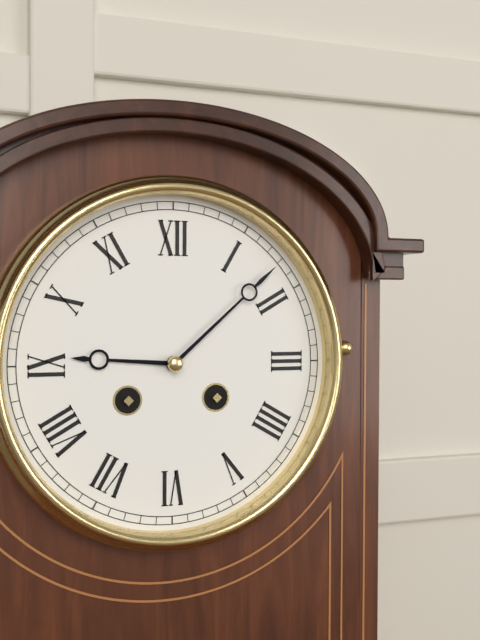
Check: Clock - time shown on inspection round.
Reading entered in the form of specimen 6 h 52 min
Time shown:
9 h 08 min
